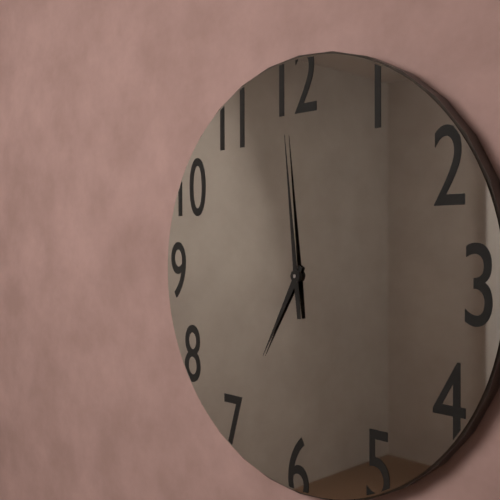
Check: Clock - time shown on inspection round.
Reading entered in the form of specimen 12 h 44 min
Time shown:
6 h 59 min
